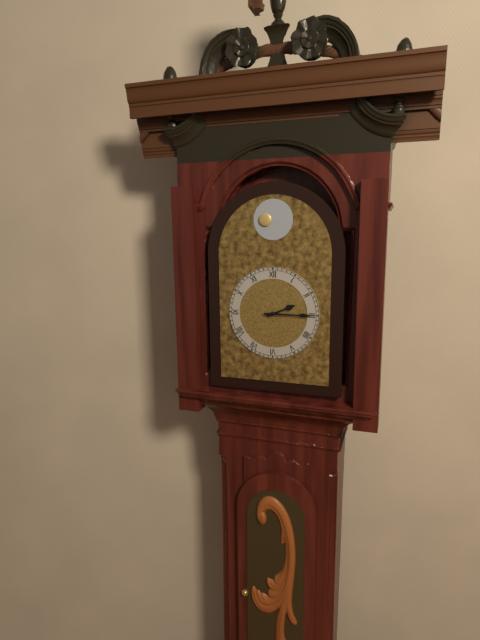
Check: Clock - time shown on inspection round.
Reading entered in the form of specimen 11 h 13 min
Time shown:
2 h 15 min
